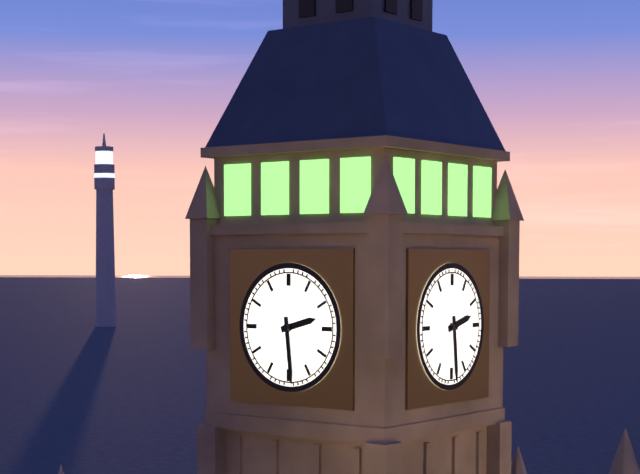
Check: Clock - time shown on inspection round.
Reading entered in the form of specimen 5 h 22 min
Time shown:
2 h 29 min
